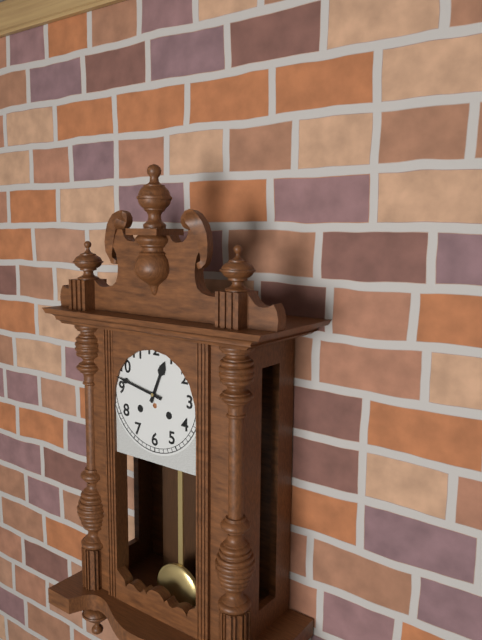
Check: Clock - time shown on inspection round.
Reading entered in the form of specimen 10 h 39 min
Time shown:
12 h 47 min
